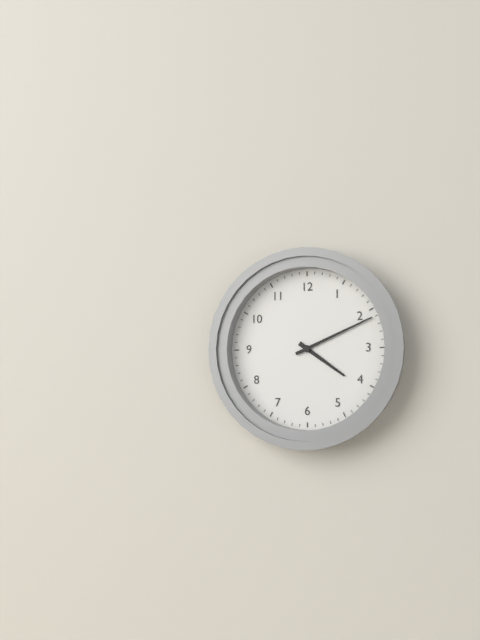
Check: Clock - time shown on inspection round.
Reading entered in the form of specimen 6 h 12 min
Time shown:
4 h 11 min
